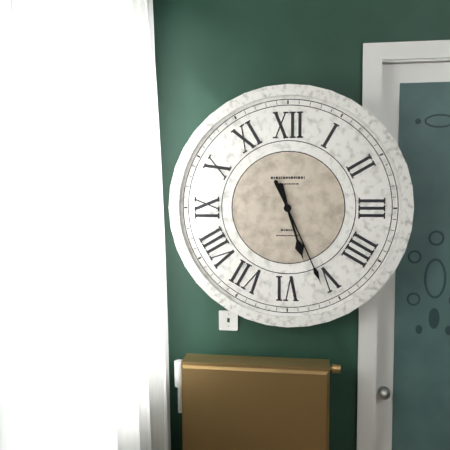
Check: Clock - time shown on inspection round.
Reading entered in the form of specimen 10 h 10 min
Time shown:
5 h 26 min
